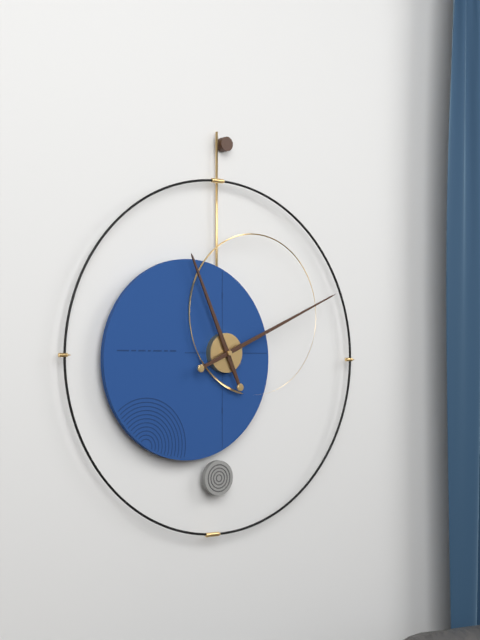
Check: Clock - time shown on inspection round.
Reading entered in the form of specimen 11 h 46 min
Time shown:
11 h 11 min
